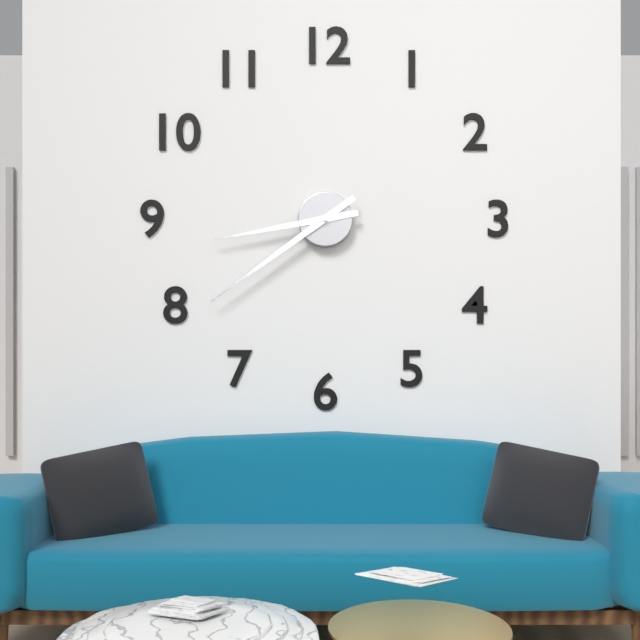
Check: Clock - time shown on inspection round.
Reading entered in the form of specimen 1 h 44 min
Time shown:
8 h 39 min
